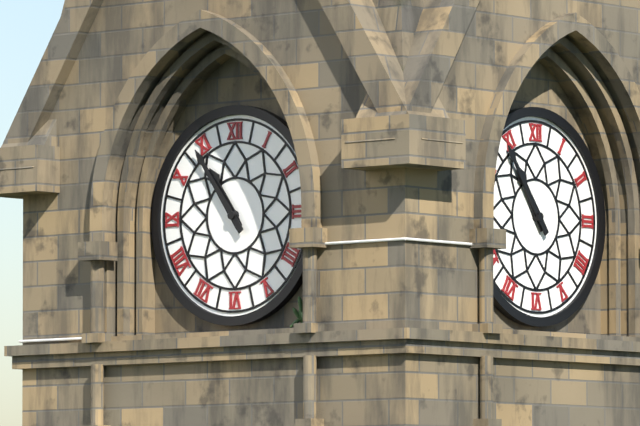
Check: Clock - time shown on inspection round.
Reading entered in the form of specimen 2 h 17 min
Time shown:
10 h 54 min
